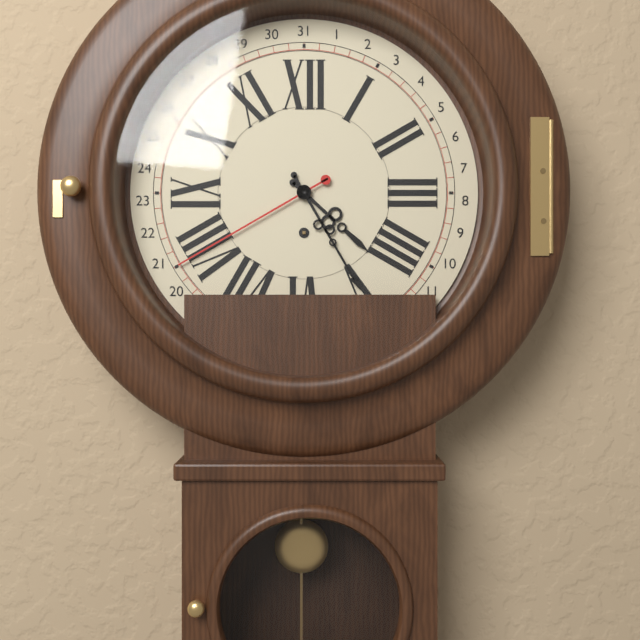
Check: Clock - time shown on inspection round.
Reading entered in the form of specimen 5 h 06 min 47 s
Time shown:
4 h 25 min 40 s
